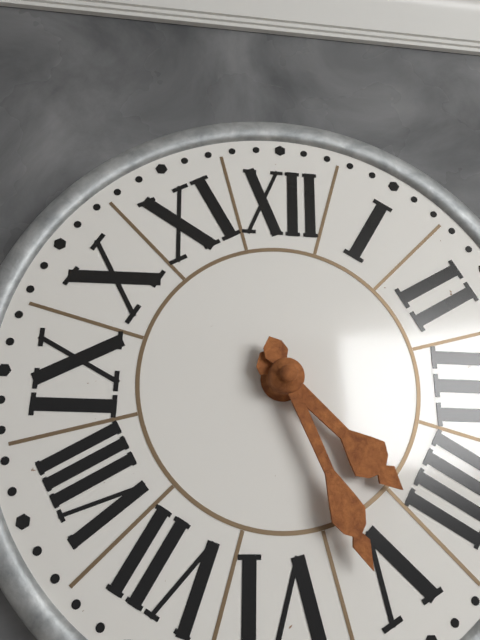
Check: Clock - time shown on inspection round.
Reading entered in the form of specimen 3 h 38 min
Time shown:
4 h 26 min
